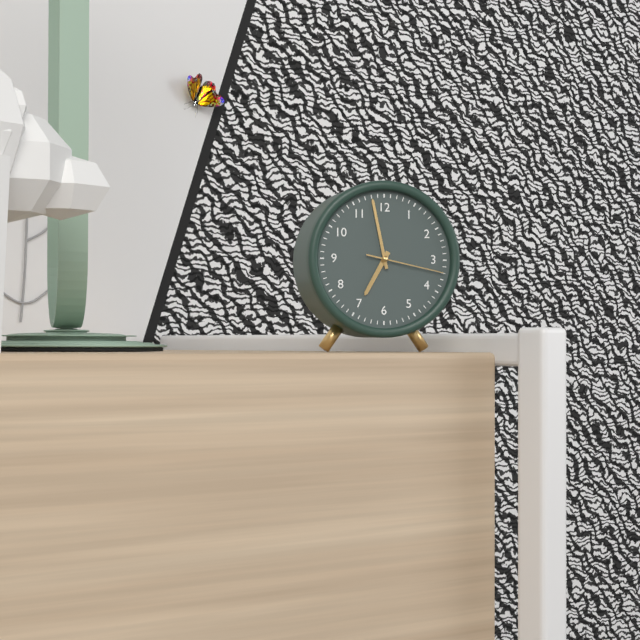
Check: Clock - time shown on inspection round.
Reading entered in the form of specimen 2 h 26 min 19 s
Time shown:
6 h 58 min 17 s
